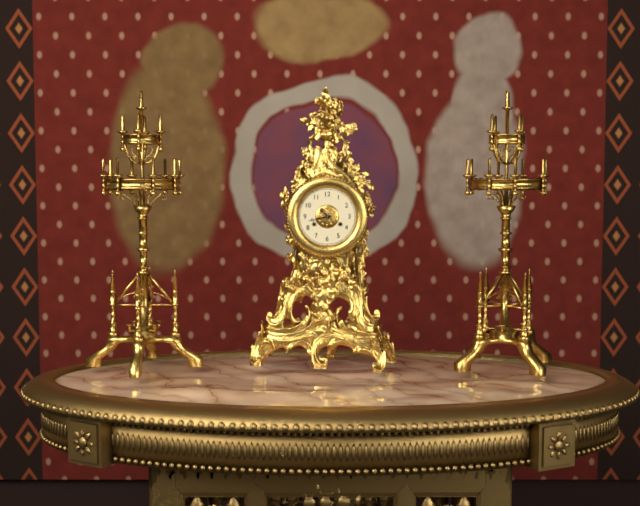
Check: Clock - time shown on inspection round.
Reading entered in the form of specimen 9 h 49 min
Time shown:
10 h 43 min
